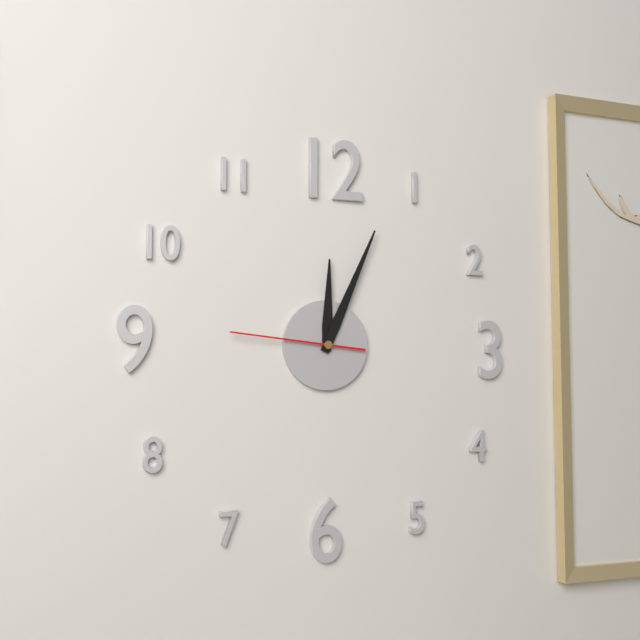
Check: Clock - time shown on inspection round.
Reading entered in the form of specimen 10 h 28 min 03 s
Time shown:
12 h 04 min 46 s
